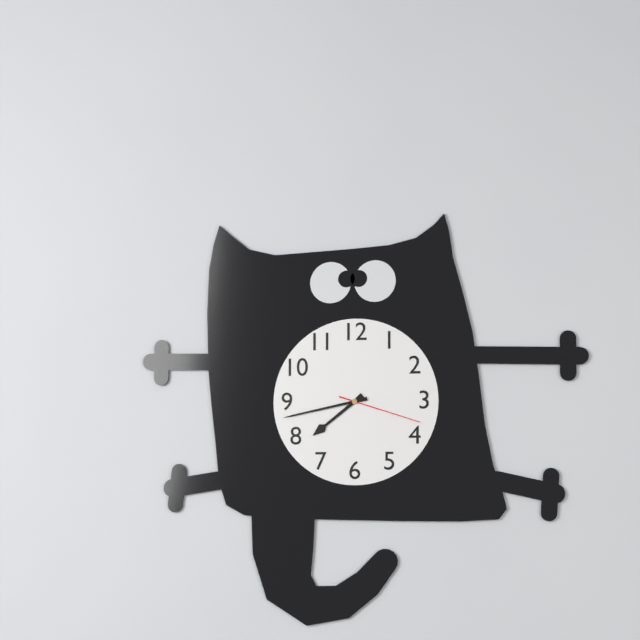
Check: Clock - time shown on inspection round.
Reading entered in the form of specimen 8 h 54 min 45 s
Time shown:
7 h 43 min 18 s
